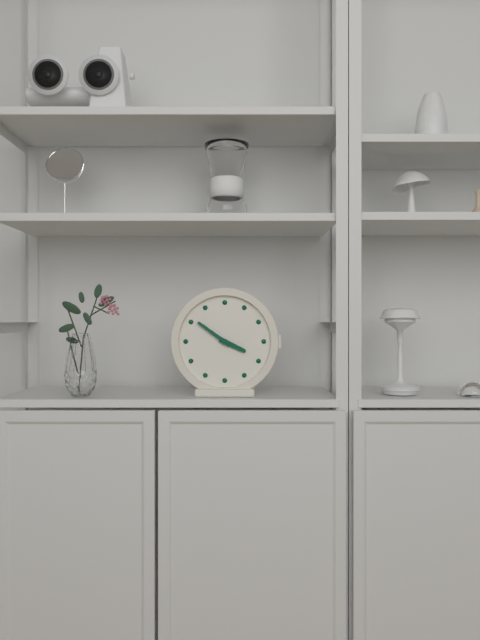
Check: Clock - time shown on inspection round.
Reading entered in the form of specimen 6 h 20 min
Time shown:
3 h 51 min
